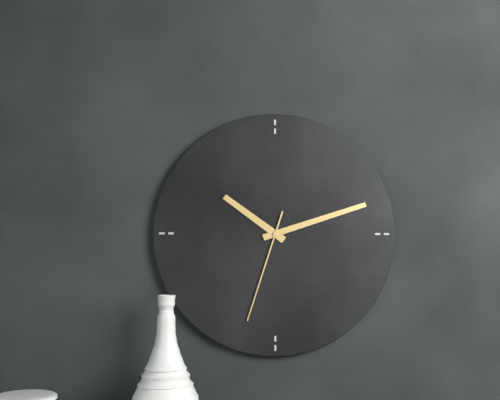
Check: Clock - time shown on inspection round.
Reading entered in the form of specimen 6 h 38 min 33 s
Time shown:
10 h 12 min 33 s
